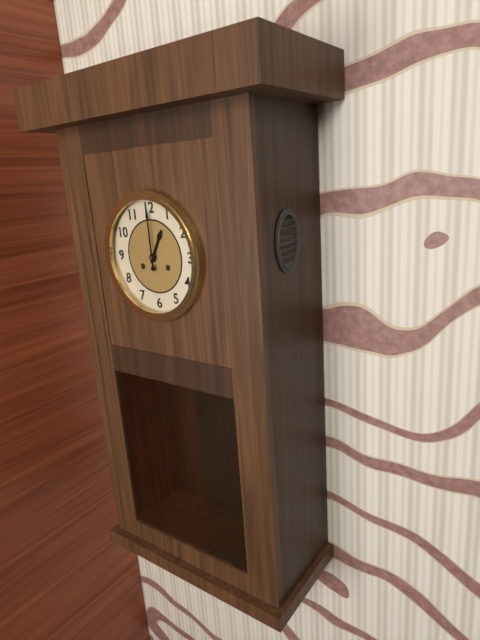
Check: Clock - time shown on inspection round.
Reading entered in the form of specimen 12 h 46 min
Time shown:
1 h 00 min
